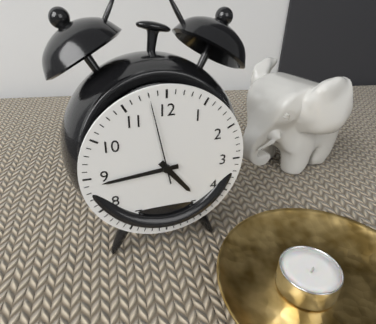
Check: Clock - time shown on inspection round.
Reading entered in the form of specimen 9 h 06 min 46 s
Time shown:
4 h 44 min 58 s
